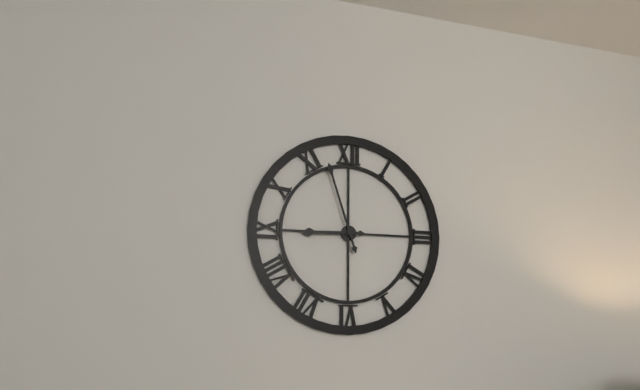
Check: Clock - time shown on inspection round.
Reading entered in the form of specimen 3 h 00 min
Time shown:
8 h 57 min
